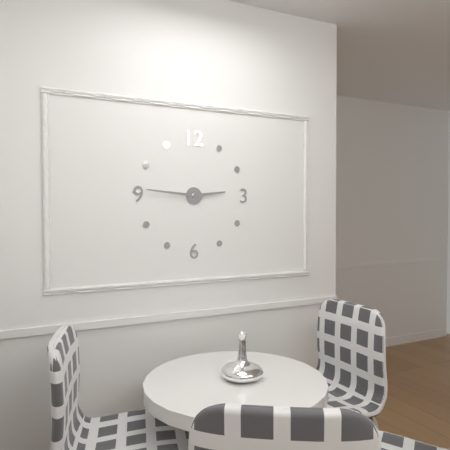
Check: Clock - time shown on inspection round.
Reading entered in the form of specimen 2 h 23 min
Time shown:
2 h 46 min
